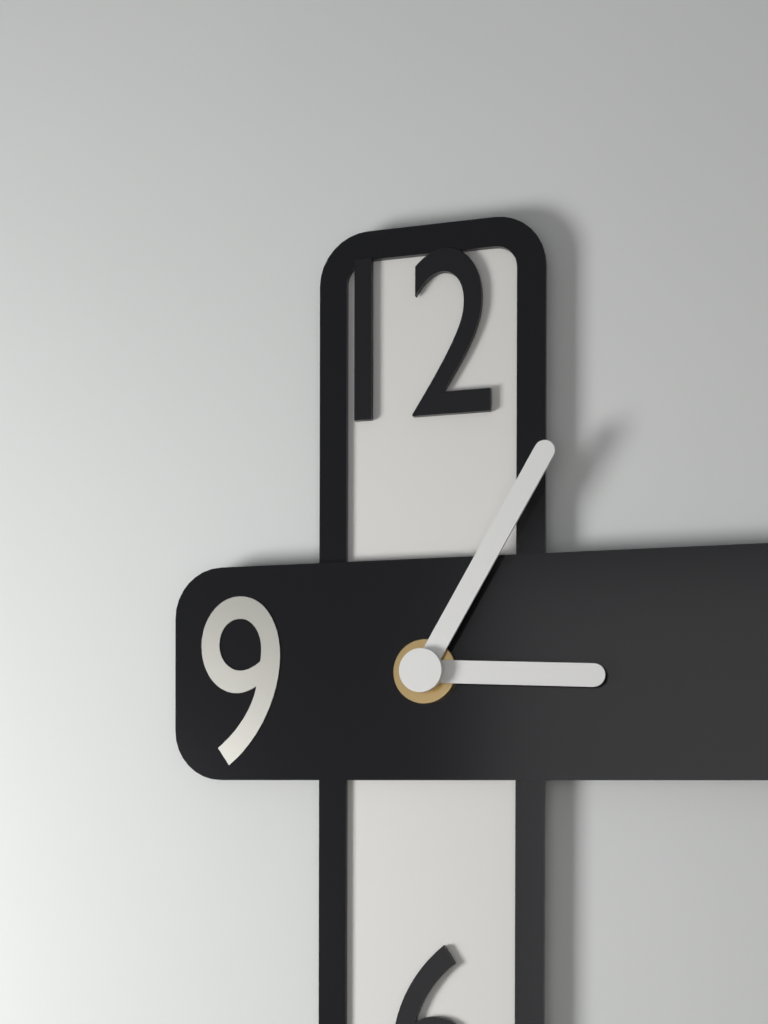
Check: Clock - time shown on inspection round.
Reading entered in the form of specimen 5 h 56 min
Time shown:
3 h 05 min
